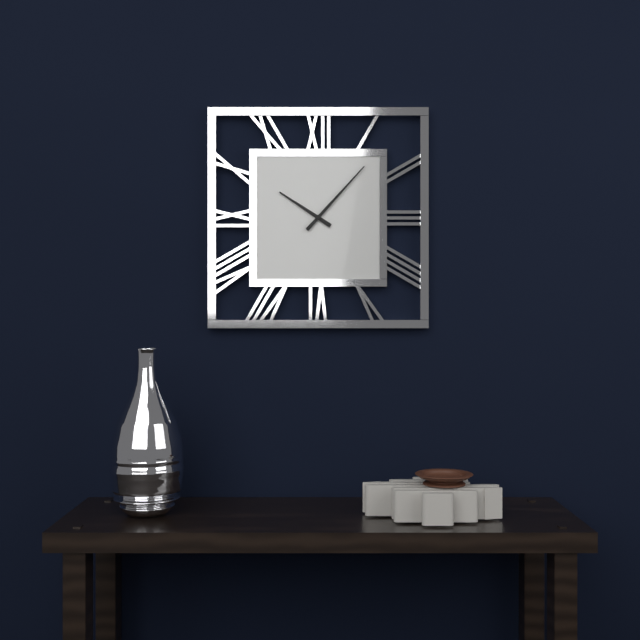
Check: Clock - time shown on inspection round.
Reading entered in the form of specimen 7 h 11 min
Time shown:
10 h 07 min
